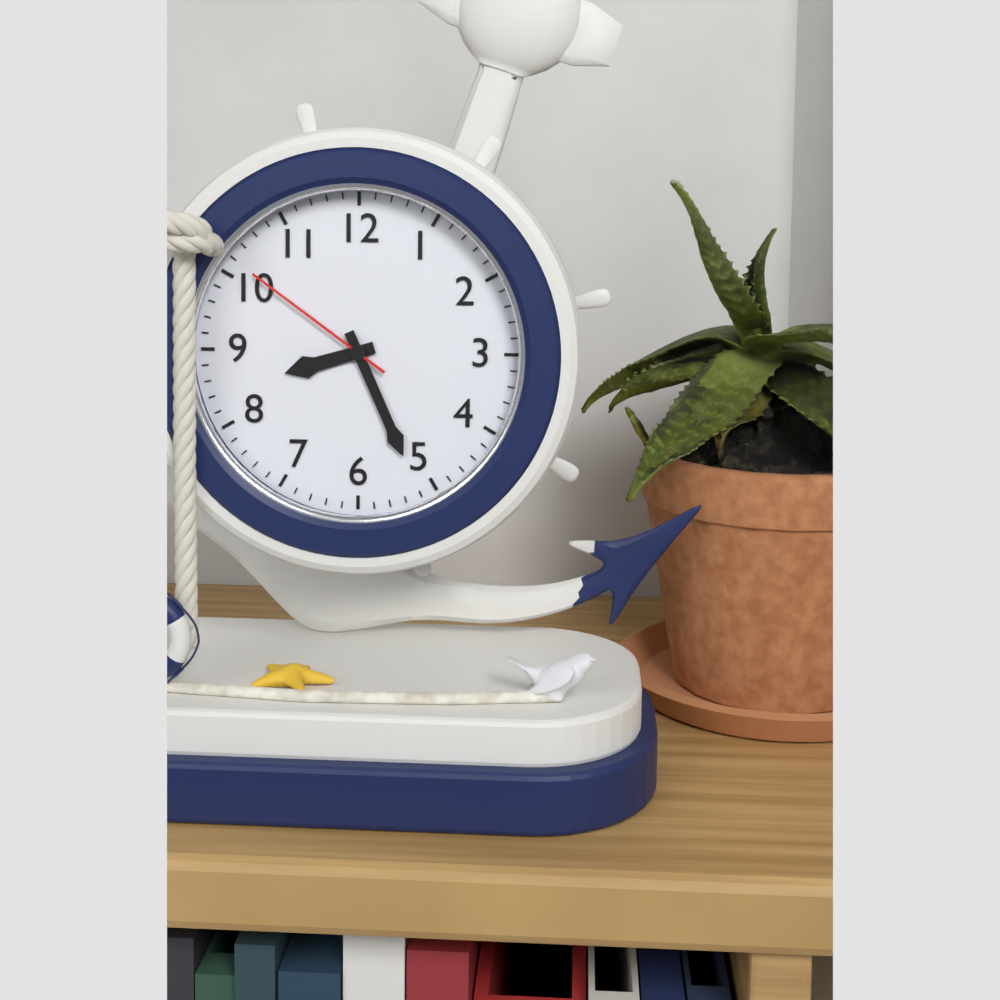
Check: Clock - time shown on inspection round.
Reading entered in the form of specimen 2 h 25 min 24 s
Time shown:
8 h 26 min 51 s
